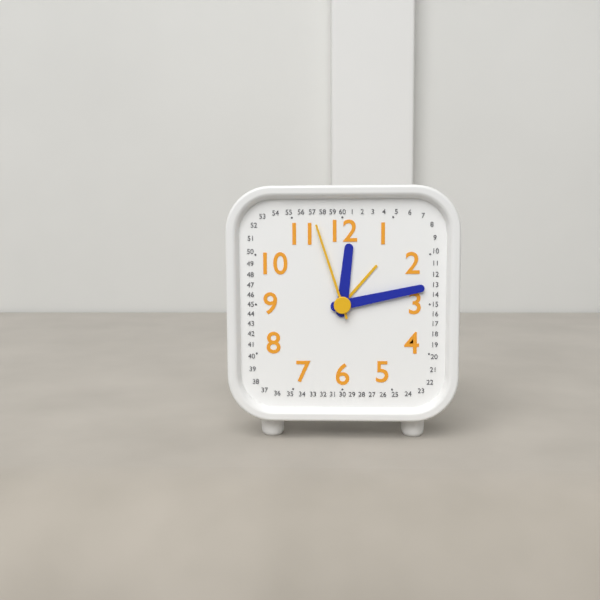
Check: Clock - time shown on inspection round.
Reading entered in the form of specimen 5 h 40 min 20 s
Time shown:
12 h 13 min 57 s
